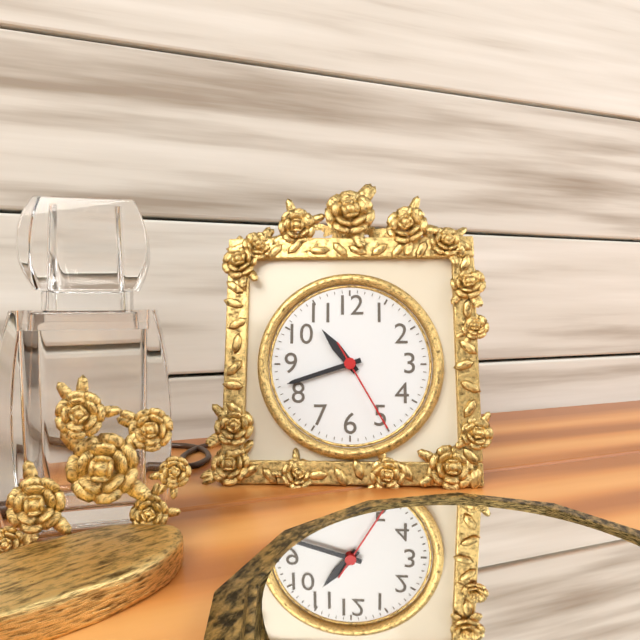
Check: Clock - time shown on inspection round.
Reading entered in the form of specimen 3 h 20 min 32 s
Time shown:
10 h 42 min 25 s
